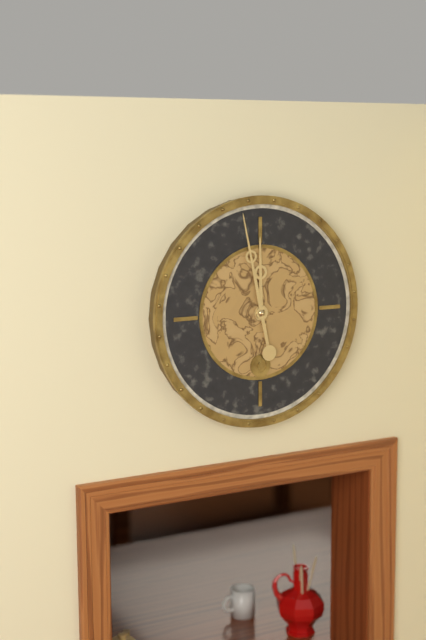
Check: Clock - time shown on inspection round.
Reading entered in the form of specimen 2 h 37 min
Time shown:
11 h 58 min
